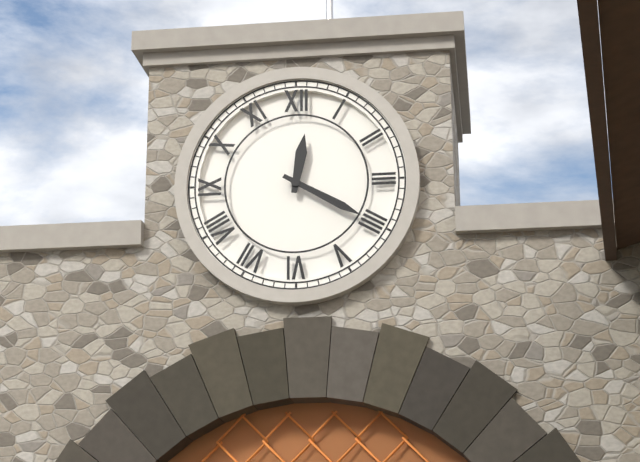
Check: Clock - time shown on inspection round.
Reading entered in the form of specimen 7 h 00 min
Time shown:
12 h 20 min
